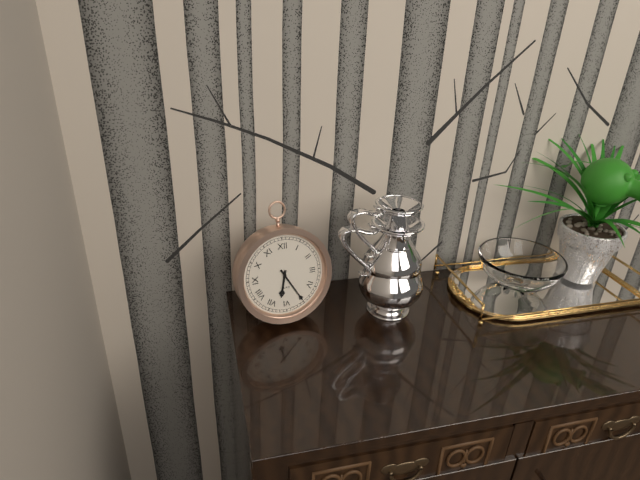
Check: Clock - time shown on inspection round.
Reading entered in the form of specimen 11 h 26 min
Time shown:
6 h 25 min
